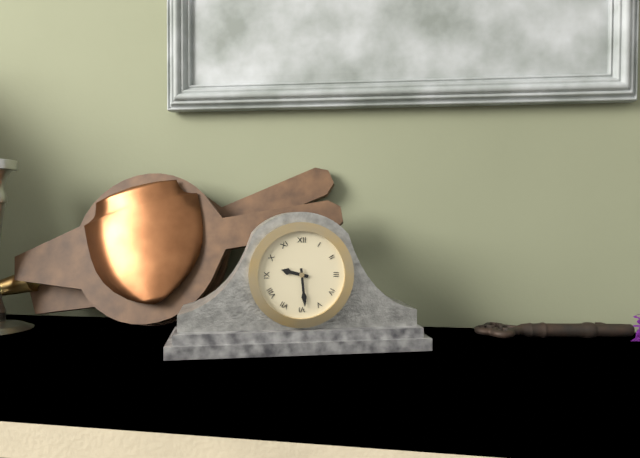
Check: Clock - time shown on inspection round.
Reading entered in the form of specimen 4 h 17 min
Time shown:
9 h 29 min
